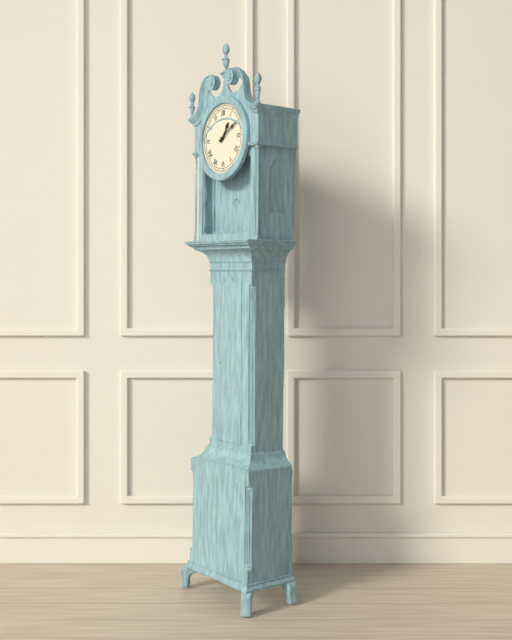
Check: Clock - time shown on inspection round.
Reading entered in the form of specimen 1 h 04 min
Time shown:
1 h 10 min
